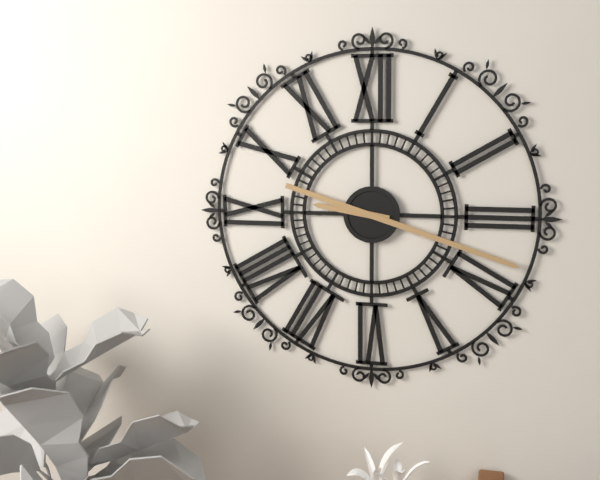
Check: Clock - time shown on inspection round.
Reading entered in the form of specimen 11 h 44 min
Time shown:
9 h 18 min
